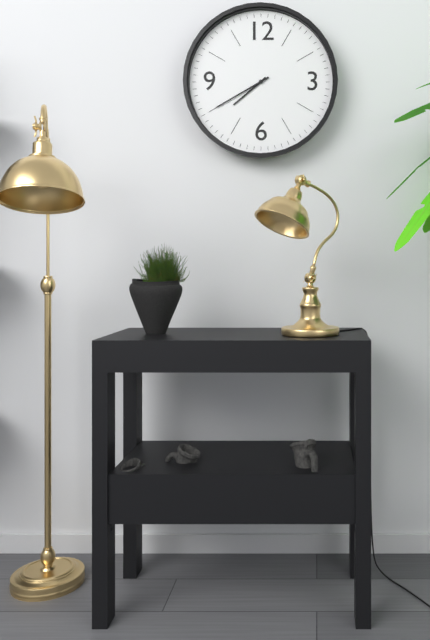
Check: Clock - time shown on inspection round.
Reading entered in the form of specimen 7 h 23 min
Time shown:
7 h 40 min
